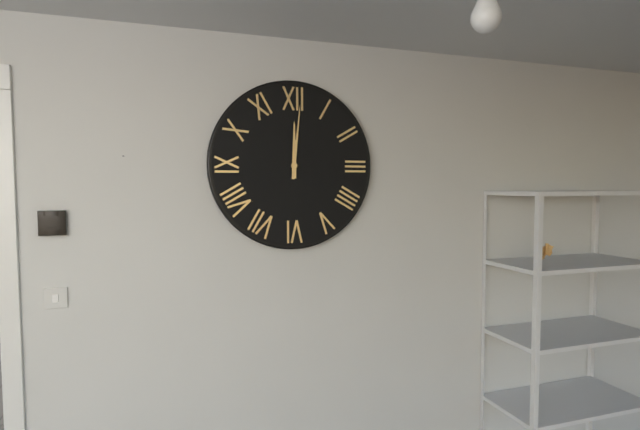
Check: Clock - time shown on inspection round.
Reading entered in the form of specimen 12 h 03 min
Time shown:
12 h 01 min
